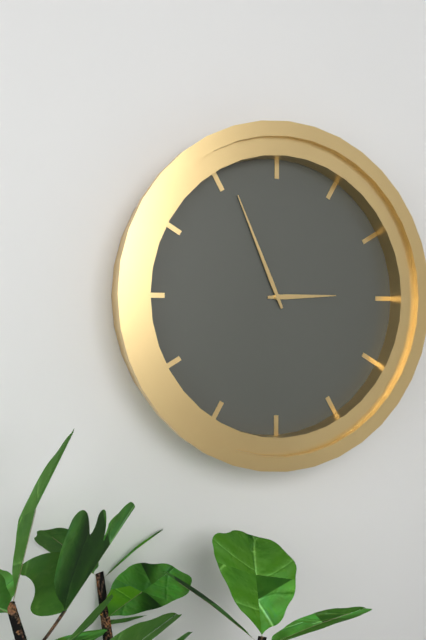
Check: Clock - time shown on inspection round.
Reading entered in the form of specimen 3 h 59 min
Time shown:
2 h 56 min
